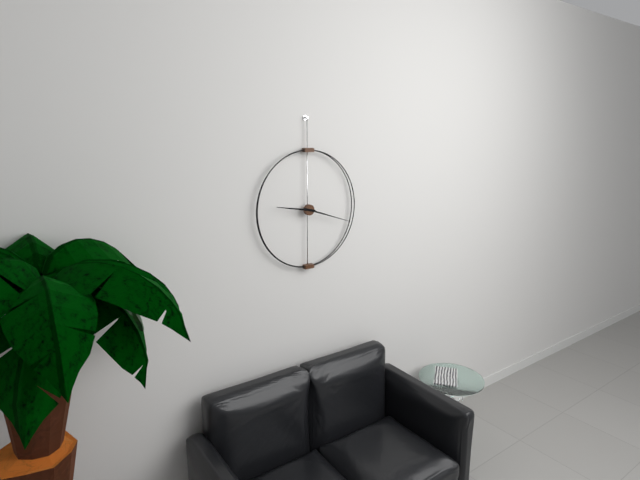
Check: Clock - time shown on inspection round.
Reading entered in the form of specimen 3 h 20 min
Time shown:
9 h 18 min
